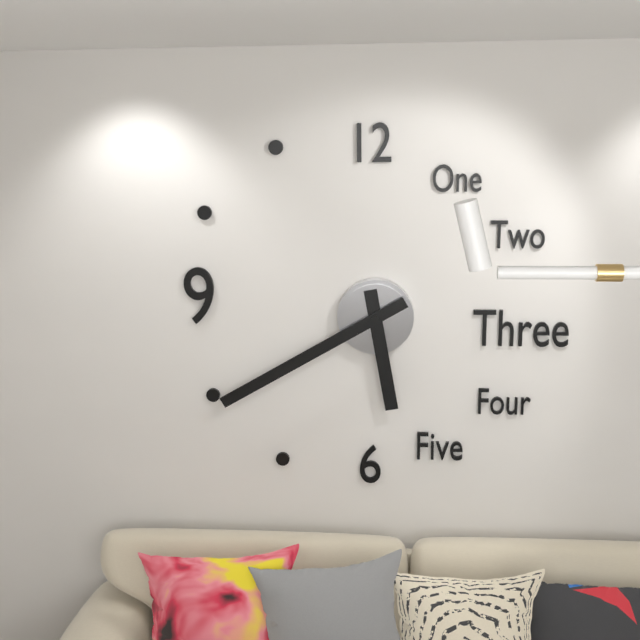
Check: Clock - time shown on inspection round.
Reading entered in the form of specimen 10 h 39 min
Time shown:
5 h 40 min
